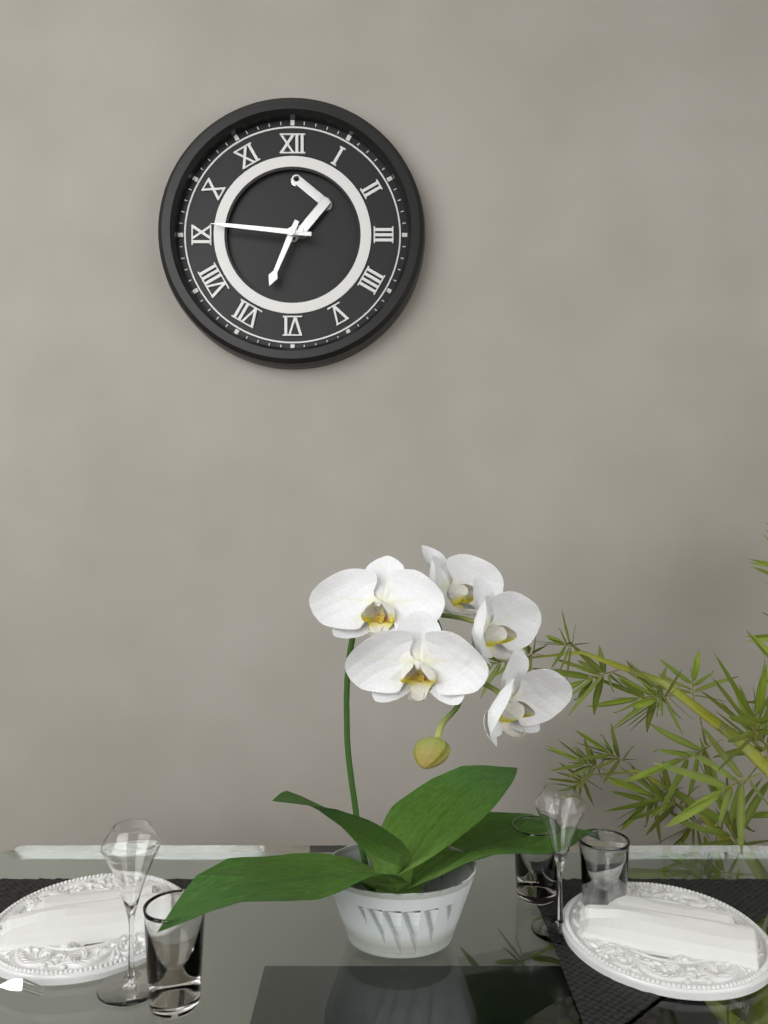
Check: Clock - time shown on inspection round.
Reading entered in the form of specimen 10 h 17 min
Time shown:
6 h 46 min
